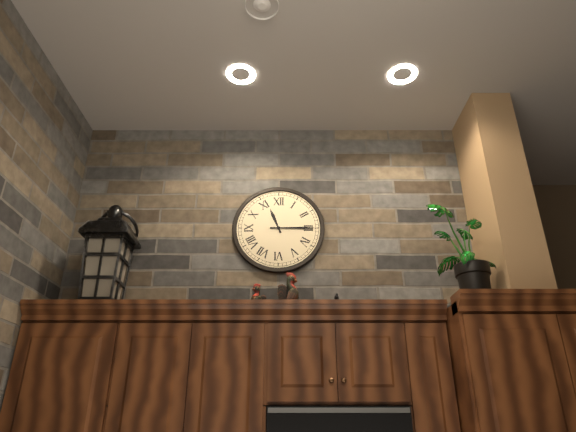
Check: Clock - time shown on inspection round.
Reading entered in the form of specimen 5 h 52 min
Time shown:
11 h 15 min
